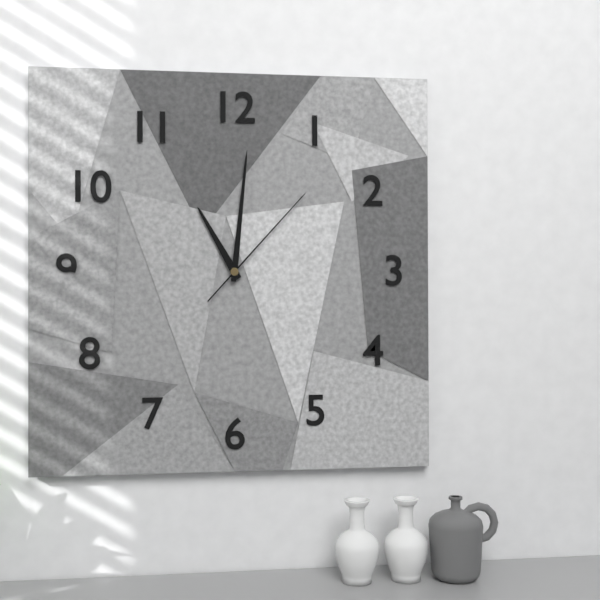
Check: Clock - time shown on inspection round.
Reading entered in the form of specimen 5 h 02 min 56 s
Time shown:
11 h 01 min 07 s
